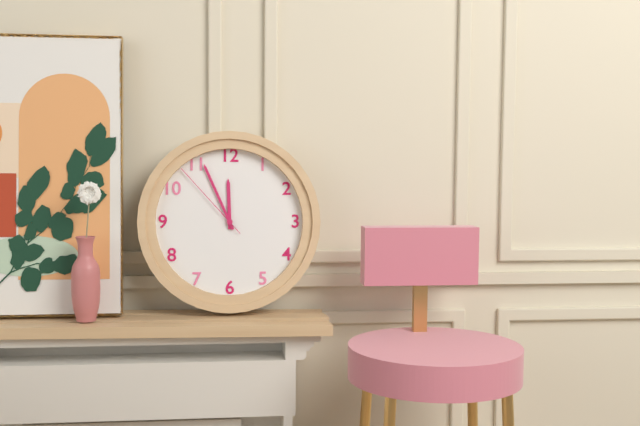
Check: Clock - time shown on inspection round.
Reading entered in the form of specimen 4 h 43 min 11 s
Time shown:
11 h 56 min 53 s
